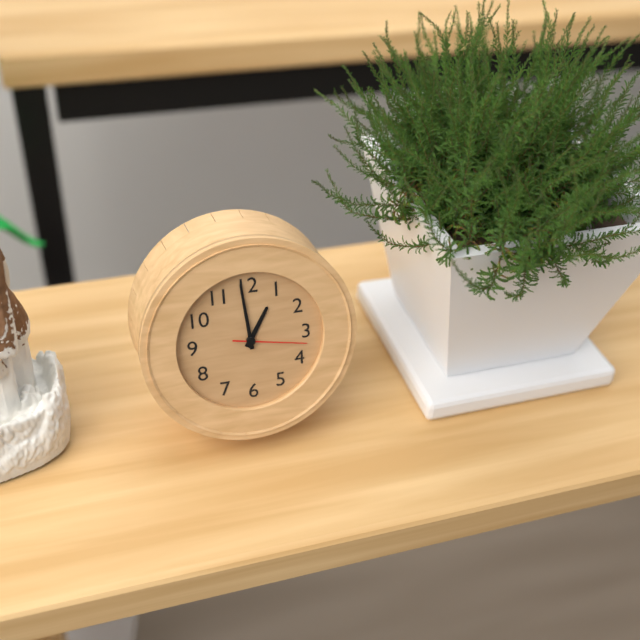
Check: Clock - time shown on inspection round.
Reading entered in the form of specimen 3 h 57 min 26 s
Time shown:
12 h 59 min 17 s
